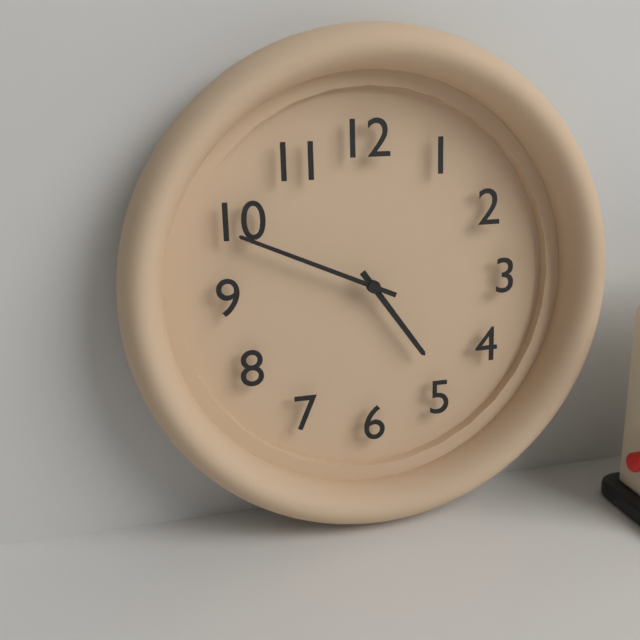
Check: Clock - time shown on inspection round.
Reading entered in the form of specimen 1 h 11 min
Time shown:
4 h 49 min
